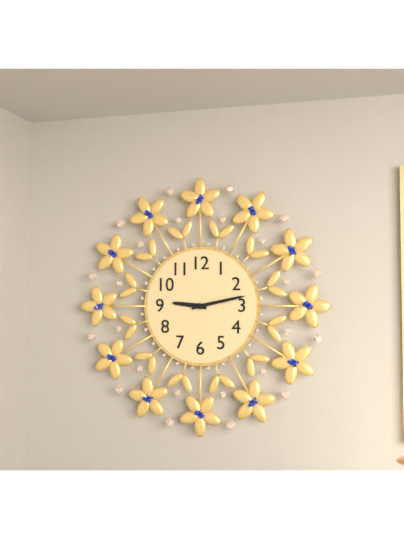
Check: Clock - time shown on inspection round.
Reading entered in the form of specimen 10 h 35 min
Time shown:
9 h 13 min
